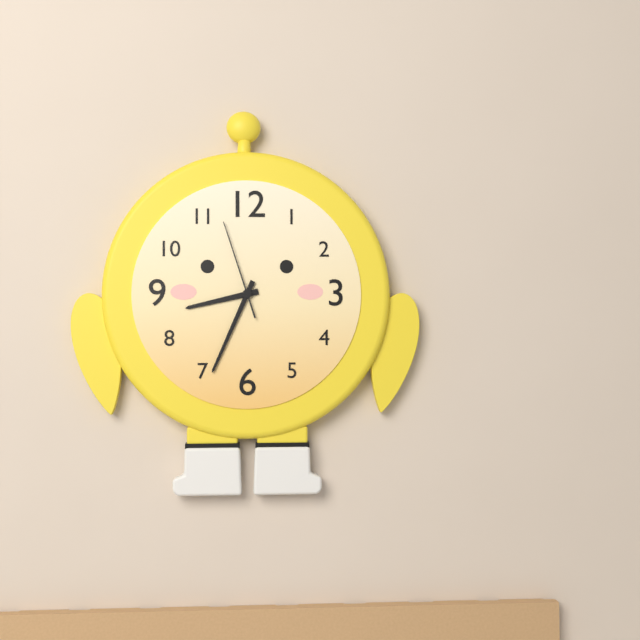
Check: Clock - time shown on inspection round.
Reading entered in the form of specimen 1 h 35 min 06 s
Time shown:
8 h 34 min 57 s
